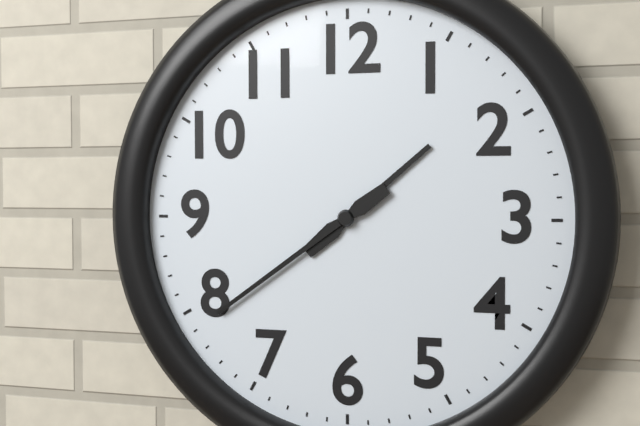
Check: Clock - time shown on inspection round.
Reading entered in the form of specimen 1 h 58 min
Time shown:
1 h 39 min
